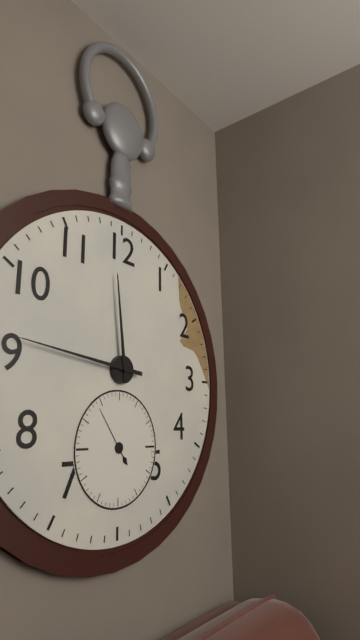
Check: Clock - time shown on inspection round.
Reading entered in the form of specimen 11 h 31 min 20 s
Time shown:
11 h 46 min 54 s
